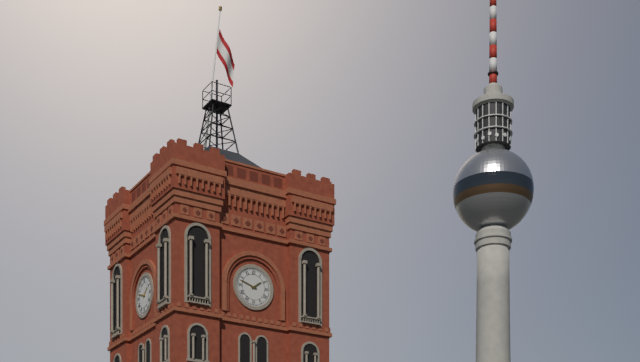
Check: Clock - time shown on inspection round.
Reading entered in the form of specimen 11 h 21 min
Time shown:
1 h 48 min
